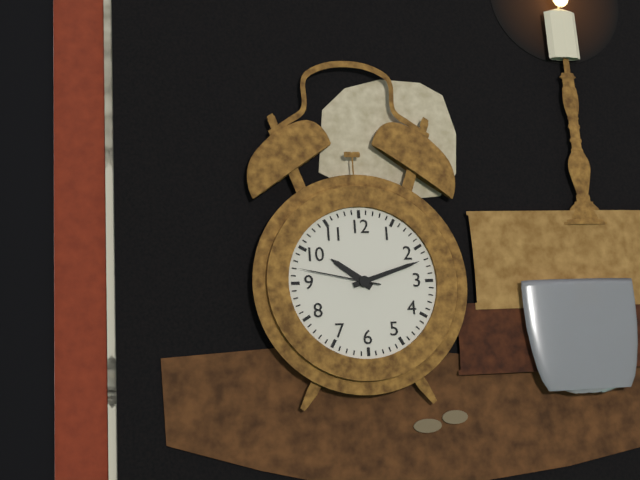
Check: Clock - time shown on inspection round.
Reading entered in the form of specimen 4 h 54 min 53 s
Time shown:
10 h 12 min 47 s
